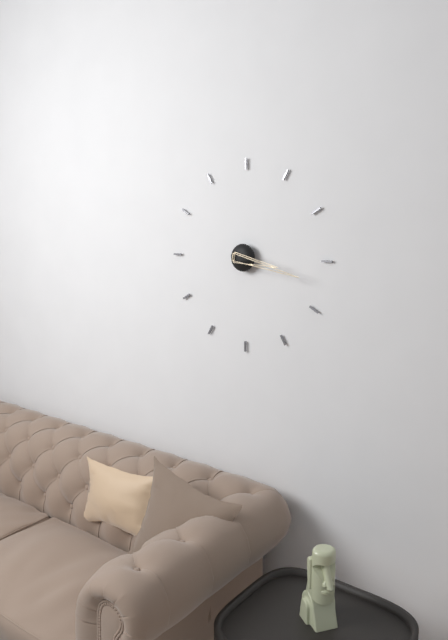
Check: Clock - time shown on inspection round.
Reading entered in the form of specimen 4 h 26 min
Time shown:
3 h 17 min
